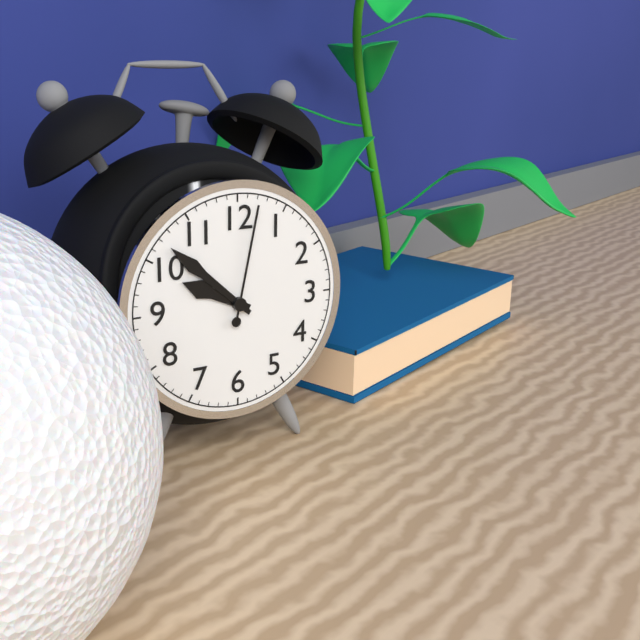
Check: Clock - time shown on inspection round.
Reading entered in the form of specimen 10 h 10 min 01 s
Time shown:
9 h 52 min 02 s
